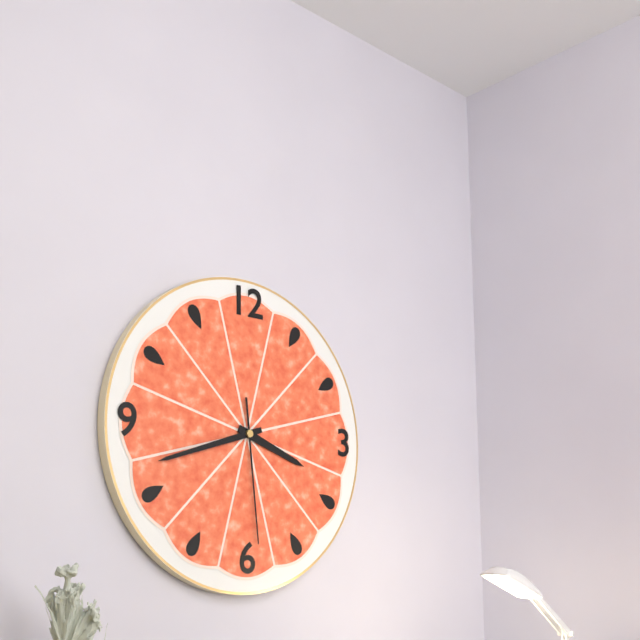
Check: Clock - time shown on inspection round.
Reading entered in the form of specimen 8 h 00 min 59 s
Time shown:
3 h 42 min 29 s
